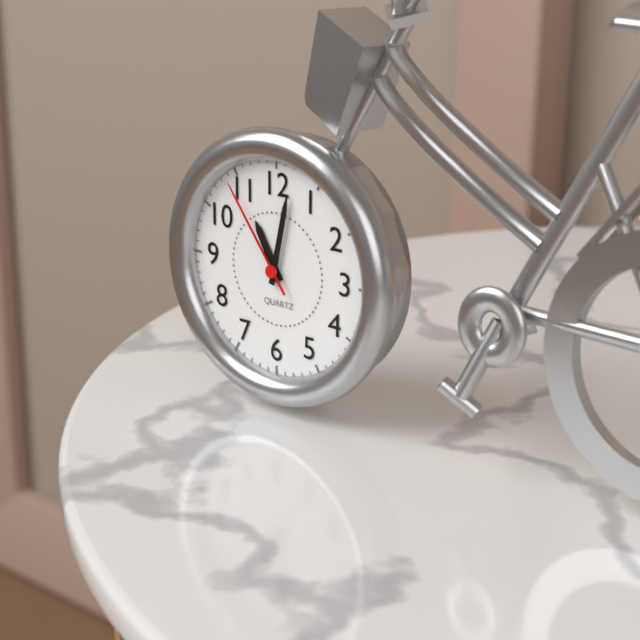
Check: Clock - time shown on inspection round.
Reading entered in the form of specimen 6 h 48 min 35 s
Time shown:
11 h 02 min 54 s
